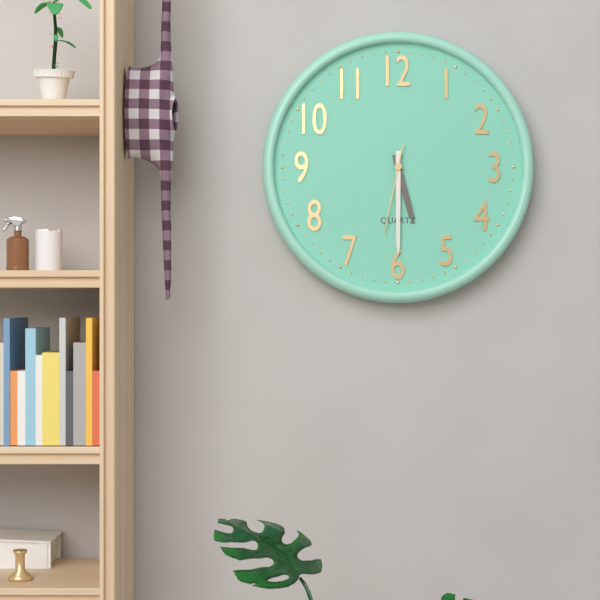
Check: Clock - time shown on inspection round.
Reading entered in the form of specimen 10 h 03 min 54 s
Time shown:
5 h 30 min 32 s
